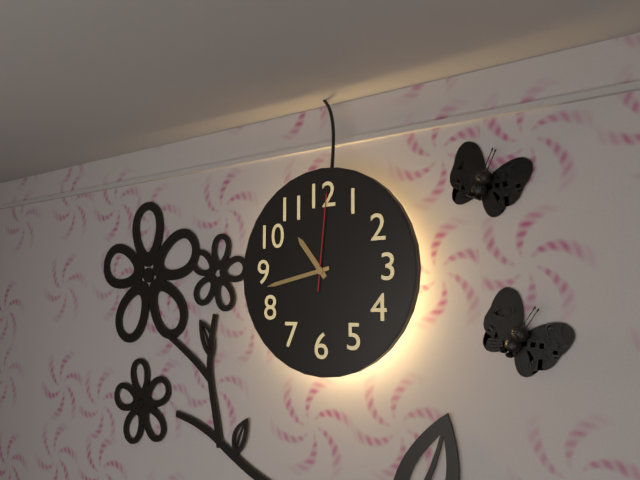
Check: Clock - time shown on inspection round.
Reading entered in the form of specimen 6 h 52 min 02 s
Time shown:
10 h 43 min 01 s
